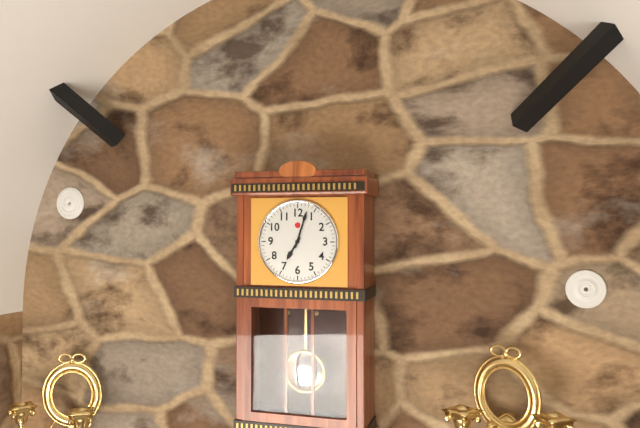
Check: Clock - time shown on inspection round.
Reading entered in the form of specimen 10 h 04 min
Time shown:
7 h 03 min
